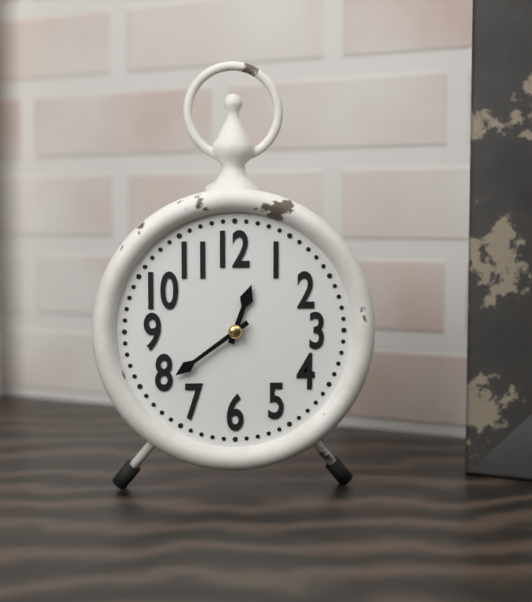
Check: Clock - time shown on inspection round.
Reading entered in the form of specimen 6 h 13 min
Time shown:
12 h 39 min
